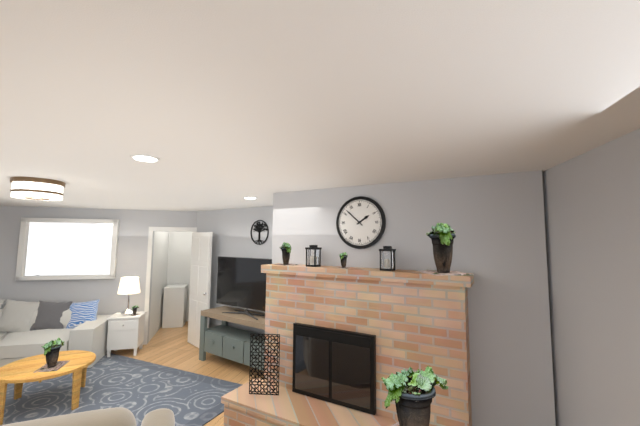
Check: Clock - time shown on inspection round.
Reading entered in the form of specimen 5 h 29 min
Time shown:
1 h 52 min
